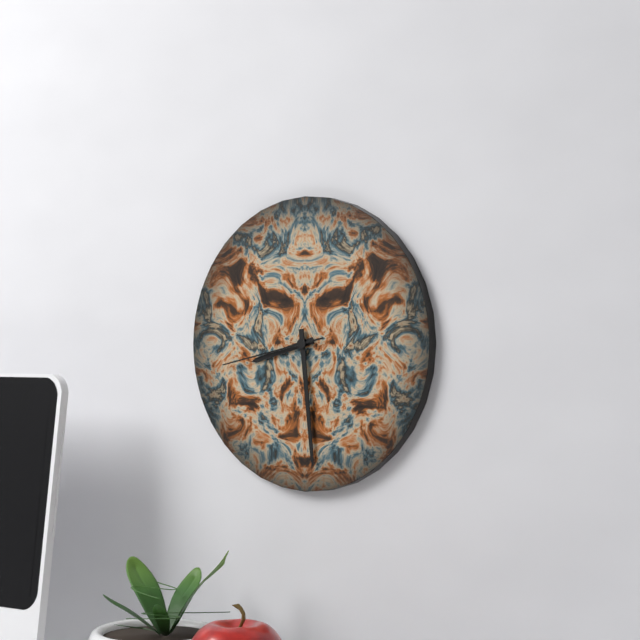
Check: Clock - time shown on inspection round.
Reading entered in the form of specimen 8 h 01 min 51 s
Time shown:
8 h 29 min 43 s
